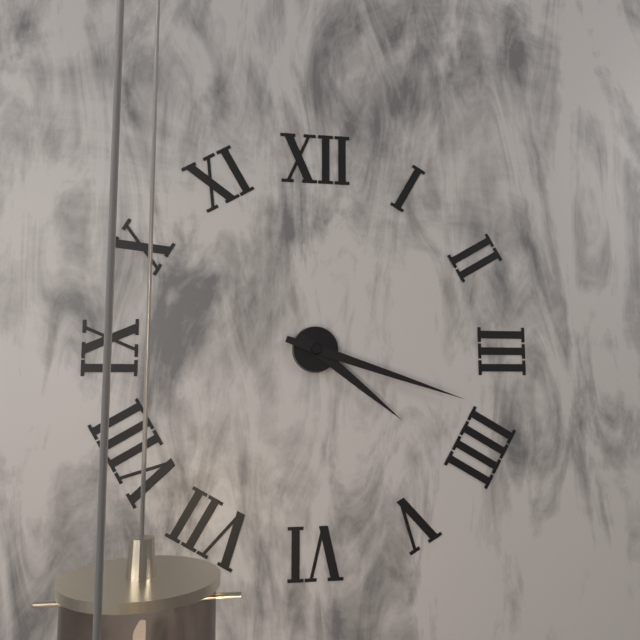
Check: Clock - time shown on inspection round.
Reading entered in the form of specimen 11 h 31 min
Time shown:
4 h 18 min
